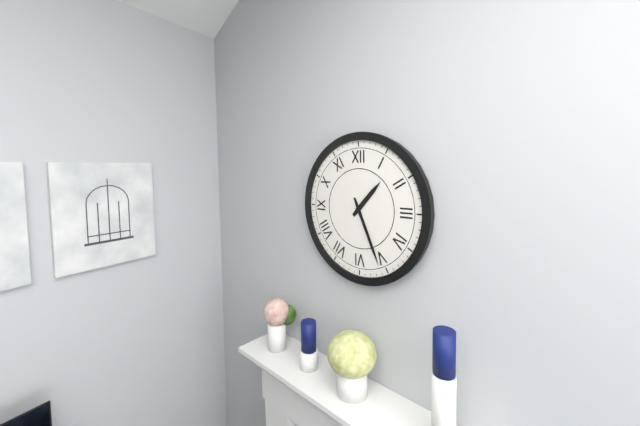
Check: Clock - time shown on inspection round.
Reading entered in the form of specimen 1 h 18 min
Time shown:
1 h 26 min
